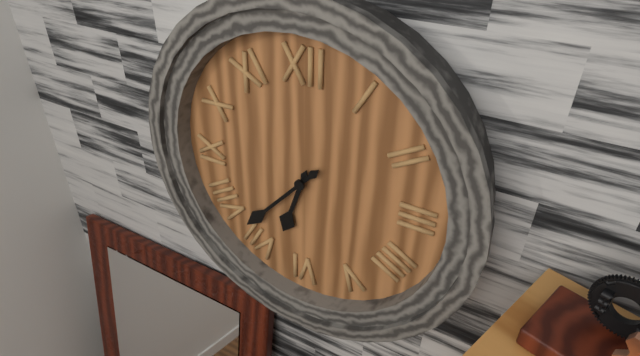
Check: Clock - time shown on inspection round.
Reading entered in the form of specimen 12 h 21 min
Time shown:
6 h 37 min
